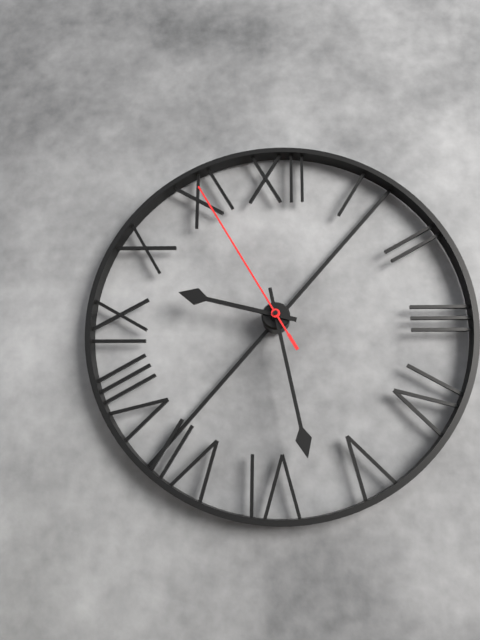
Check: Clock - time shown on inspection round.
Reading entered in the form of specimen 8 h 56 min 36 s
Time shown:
9 h 28 min 55 s
